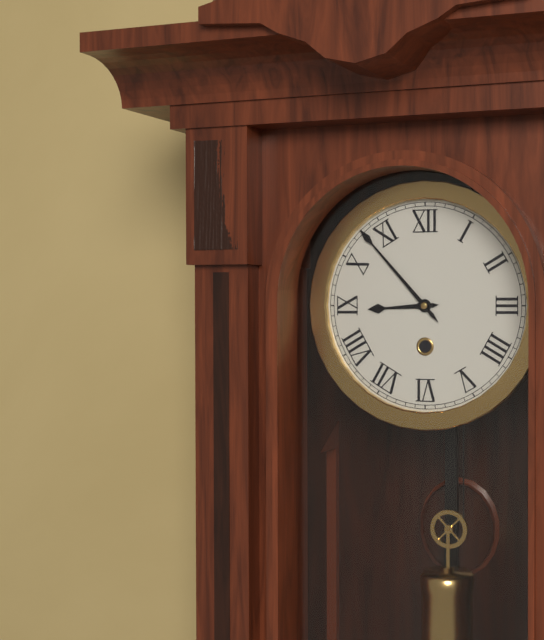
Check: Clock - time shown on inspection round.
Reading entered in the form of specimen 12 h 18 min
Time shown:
8 h 53 min
